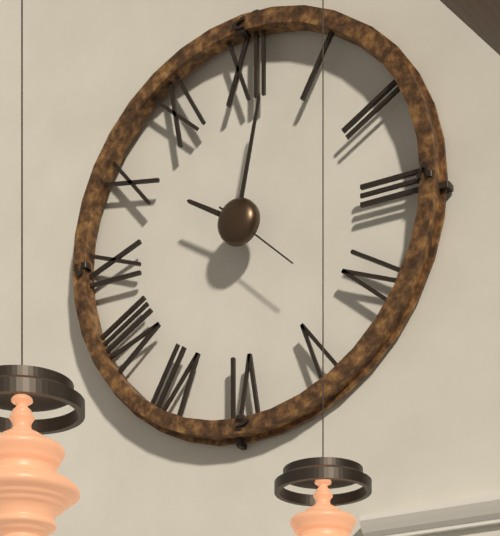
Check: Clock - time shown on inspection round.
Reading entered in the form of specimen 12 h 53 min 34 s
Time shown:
10 h 02 min 22 s
